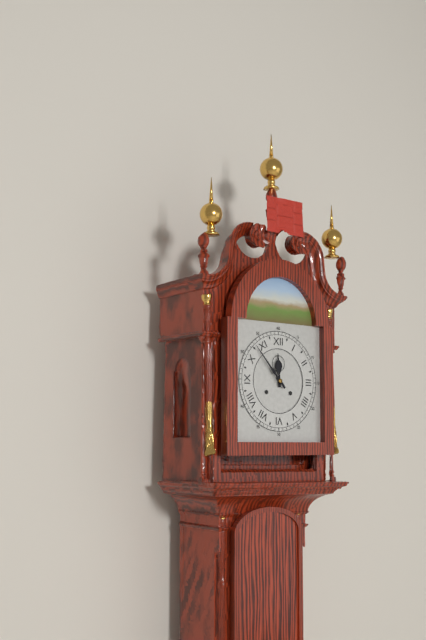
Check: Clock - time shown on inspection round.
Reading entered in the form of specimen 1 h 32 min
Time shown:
11 h 53 min
